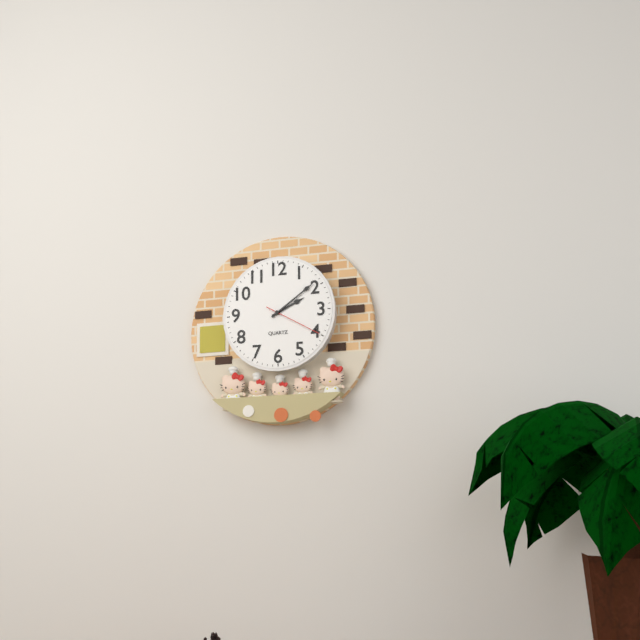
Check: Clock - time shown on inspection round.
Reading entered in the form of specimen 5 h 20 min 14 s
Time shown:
2 h 09 min 20 s
